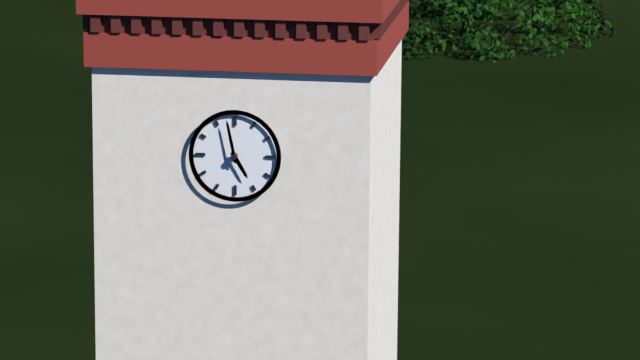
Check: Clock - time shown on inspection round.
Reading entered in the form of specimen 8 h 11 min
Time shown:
4 h 58 min
